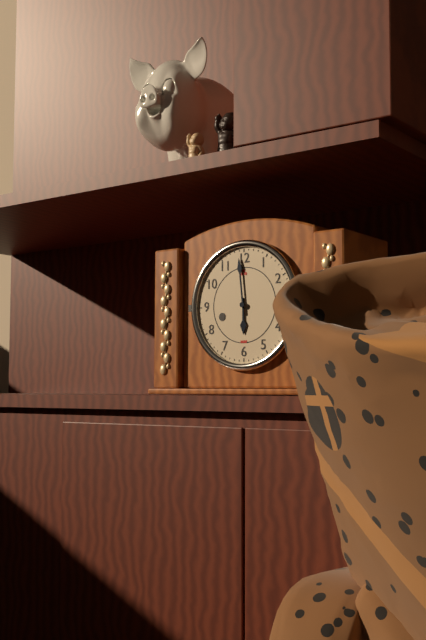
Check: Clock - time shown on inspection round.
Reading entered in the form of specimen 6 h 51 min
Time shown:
5 h 59 min
